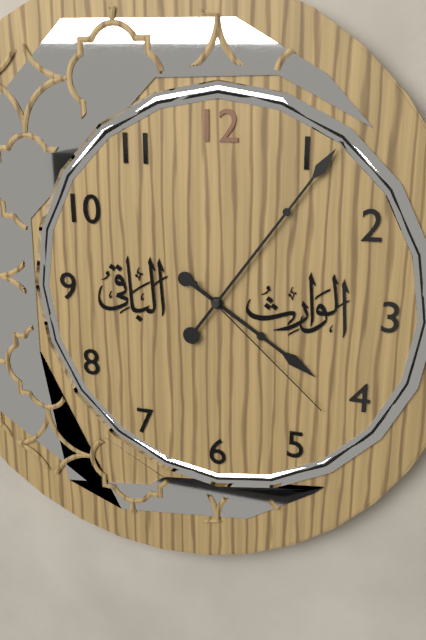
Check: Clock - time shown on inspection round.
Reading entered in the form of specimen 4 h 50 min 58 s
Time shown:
4 h 06 min 22 s
